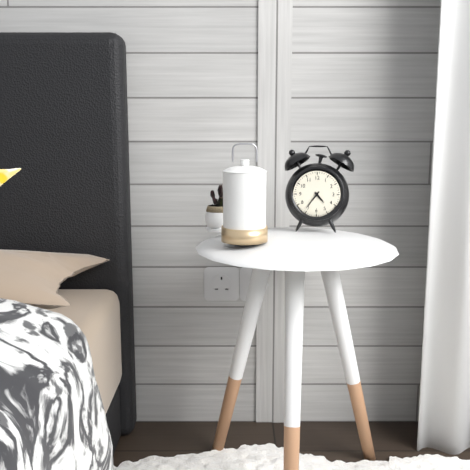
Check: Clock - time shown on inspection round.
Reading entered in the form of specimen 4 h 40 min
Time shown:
4 h 36 min
